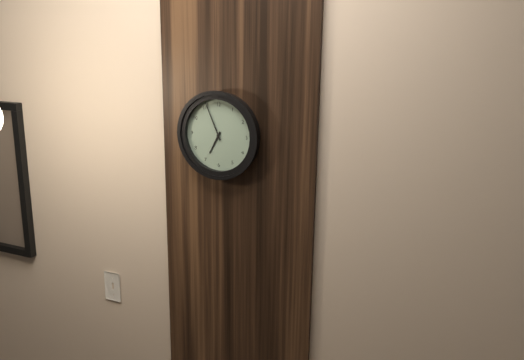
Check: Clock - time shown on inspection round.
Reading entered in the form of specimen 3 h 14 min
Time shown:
6 h 56 min
